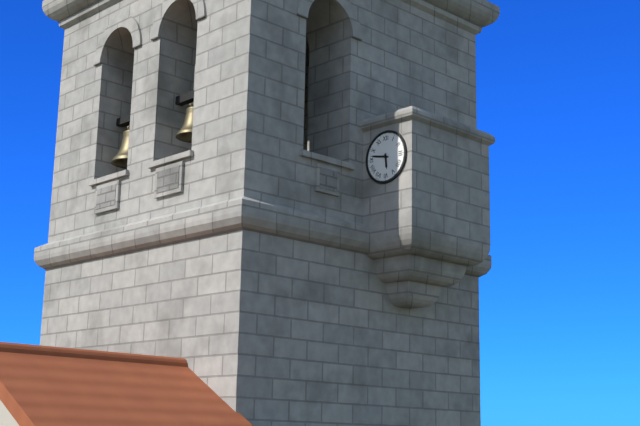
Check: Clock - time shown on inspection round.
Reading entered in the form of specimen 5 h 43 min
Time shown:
5 h 47 min
